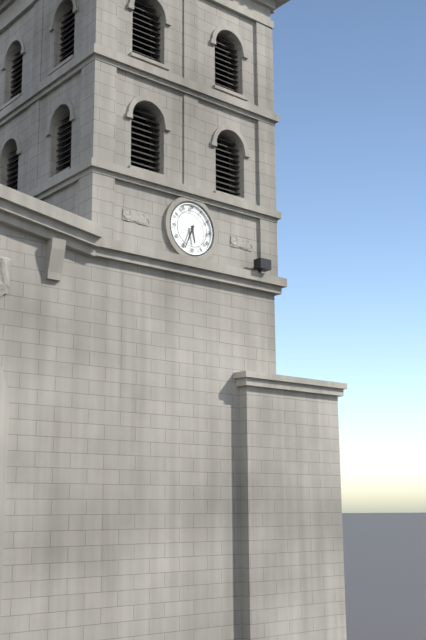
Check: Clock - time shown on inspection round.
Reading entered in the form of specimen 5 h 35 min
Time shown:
5 h 34 min
